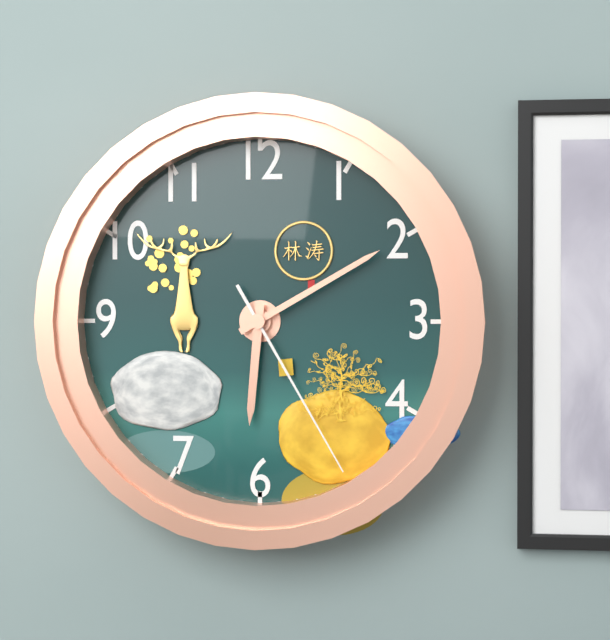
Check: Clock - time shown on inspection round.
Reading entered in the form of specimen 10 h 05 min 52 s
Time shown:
6 h 10 min 25 s
